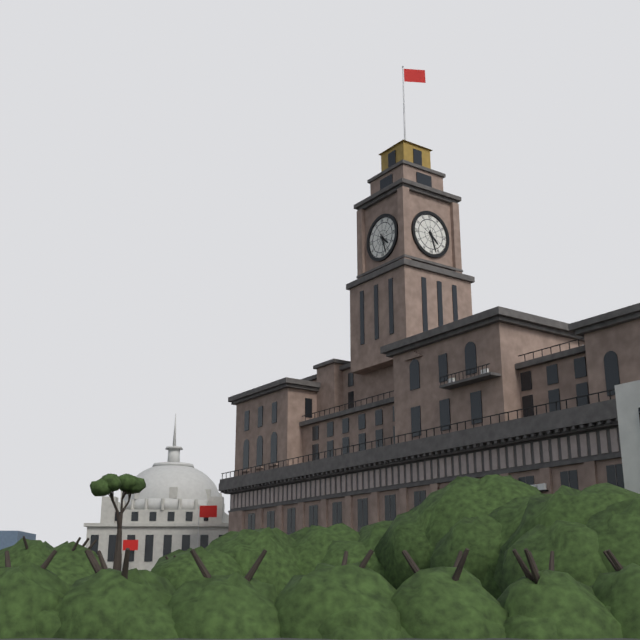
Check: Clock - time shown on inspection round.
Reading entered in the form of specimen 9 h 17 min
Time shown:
4 h 27 min
